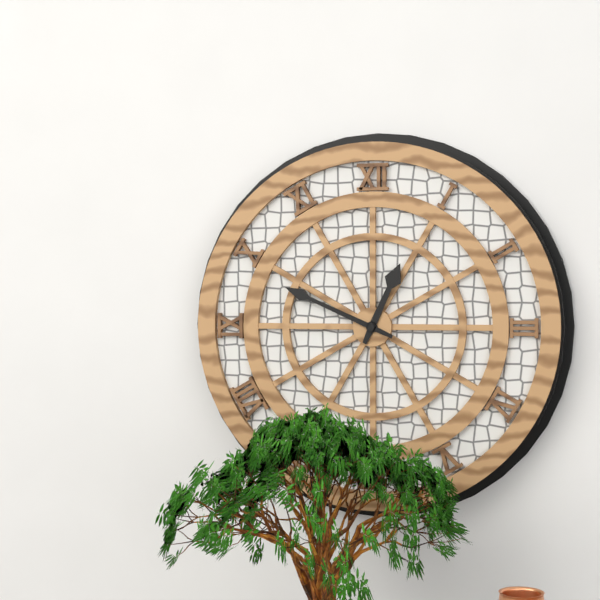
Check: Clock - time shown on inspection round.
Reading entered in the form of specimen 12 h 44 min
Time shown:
12 h 49 min
